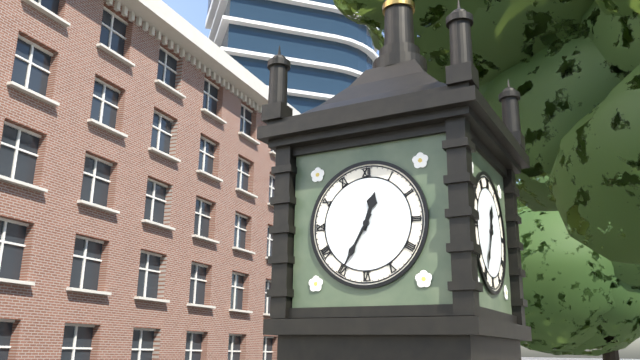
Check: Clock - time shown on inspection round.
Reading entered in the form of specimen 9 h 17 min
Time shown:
12 h 35 min
